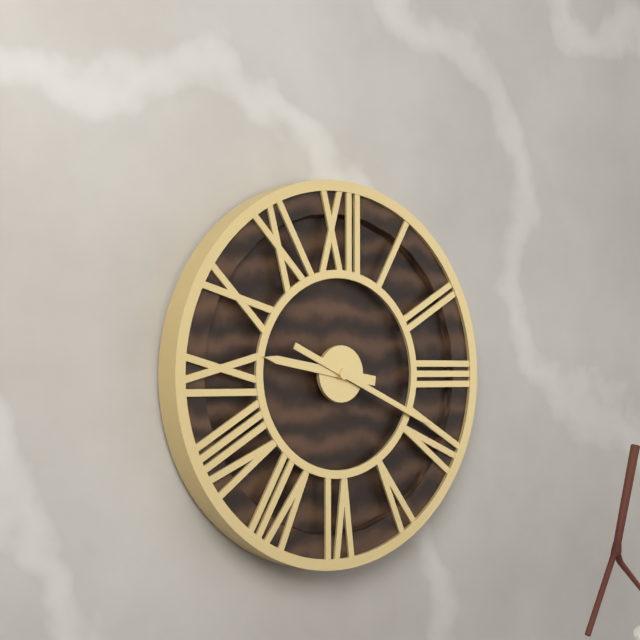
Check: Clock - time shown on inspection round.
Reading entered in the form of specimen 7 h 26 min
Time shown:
9 h 19 min
